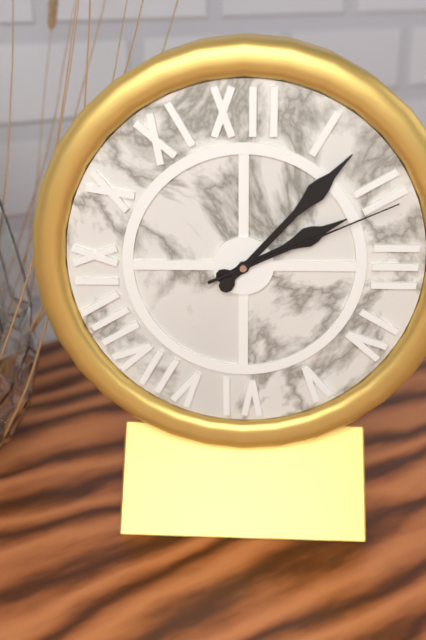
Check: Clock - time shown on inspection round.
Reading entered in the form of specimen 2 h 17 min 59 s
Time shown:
2 h 07 min 11 s
